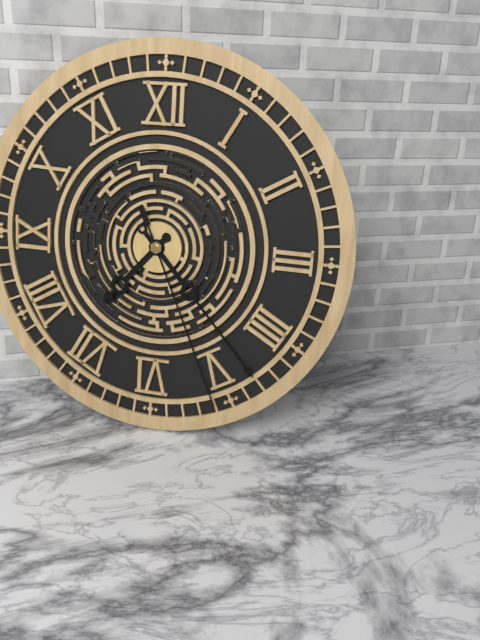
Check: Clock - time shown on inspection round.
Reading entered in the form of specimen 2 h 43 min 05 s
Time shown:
7 h 23 min 26 s
